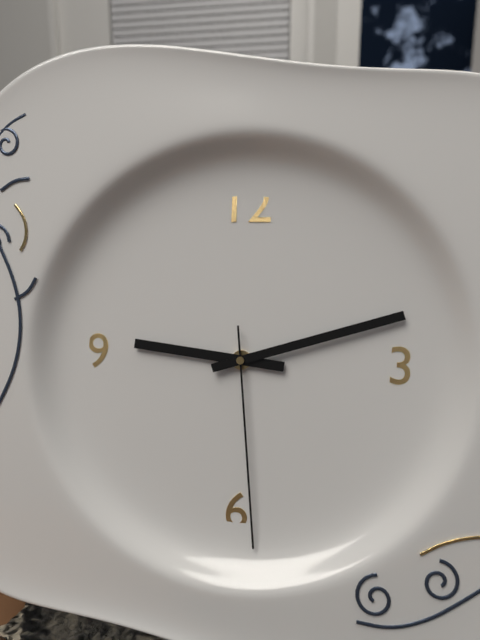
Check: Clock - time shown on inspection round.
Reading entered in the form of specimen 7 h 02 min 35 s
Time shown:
9 h 12 min 29 s
